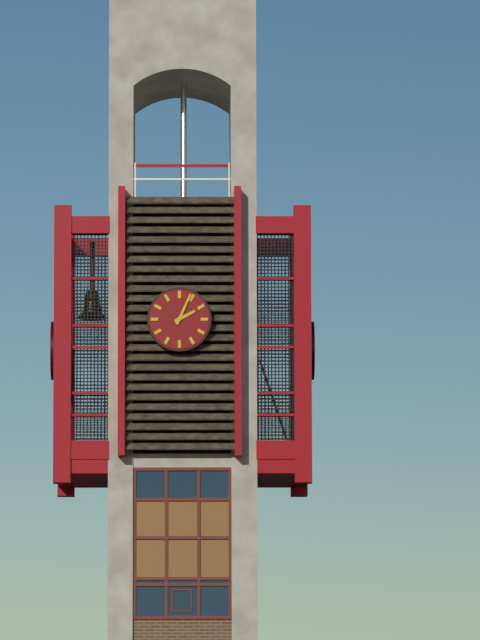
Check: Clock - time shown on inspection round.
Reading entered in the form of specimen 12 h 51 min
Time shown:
2 h 04 min
